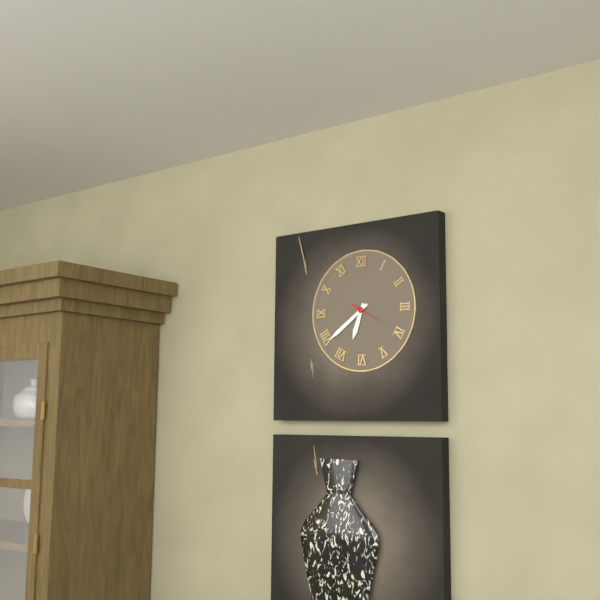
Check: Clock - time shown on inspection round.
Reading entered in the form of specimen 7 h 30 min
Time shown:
6 h 39 min
